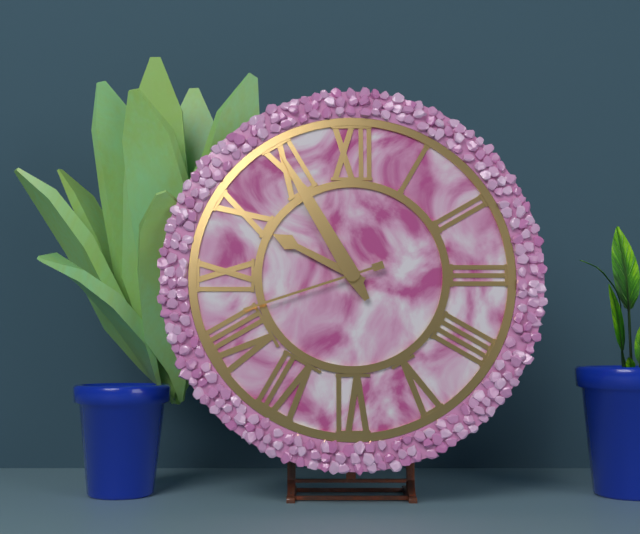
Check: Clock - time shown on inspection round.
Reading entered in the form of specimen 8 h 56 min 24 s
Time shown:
9 h 55 min 42 s
